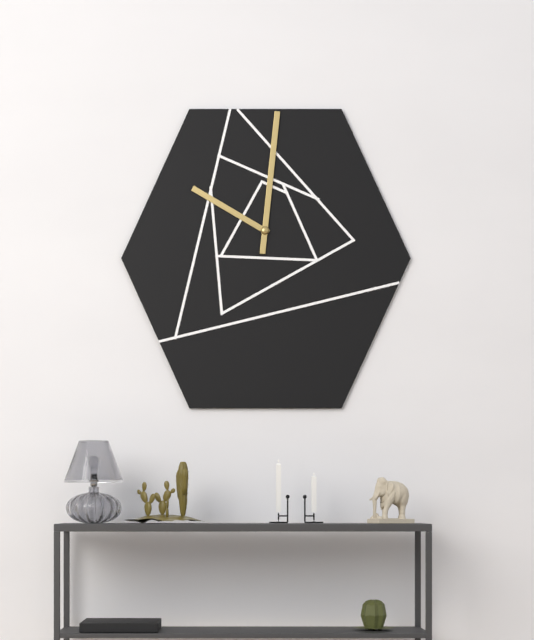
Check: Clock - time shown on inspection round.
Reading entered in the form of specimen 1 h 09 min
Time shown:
10 h 01 min
